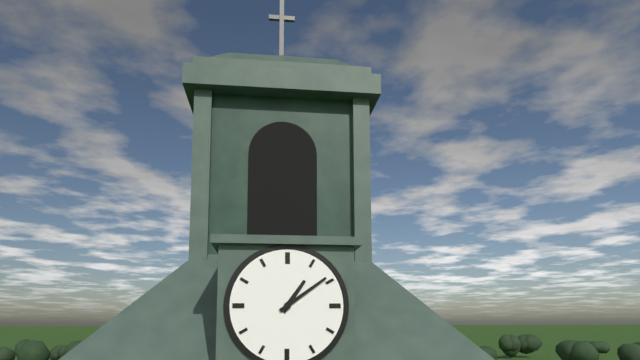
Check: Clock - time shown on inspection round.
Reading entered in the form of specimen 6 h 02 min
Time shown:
1 h 09 min
